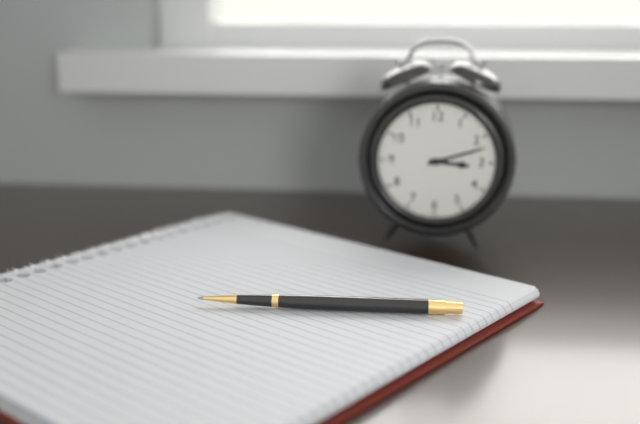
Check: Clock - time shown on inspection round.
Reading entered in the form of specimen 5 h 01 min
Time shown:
3 h 12 min
